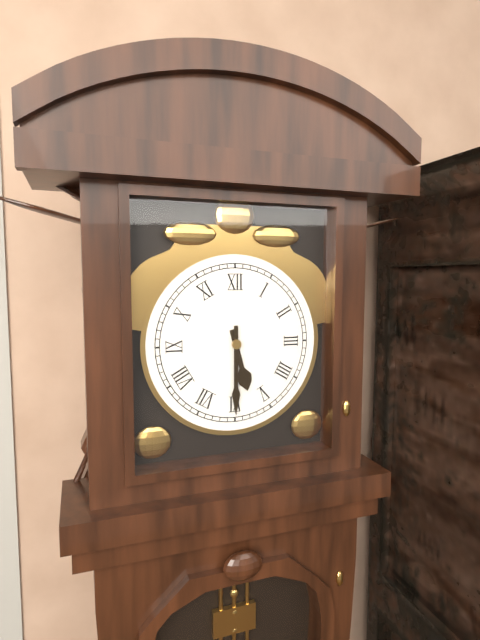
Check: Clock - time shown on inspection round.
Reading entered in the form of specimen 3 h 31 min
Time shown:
5 h 30 min
